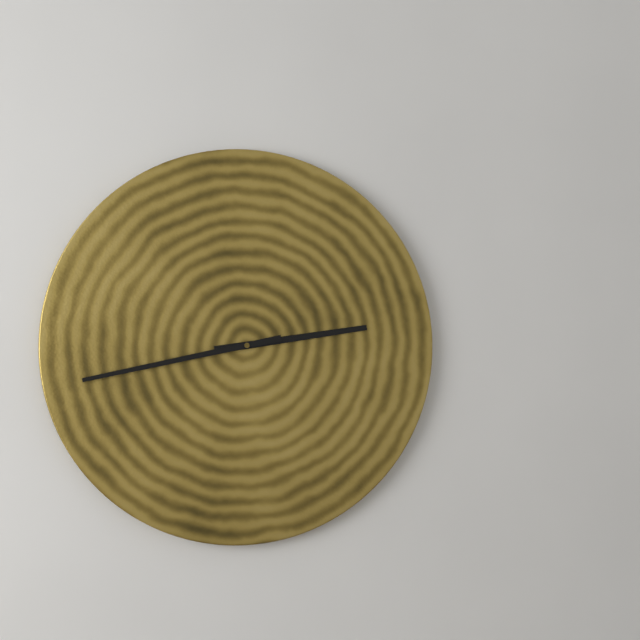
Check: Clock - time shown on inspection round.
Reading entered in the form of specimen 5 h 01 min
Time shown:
2 h 43 min
